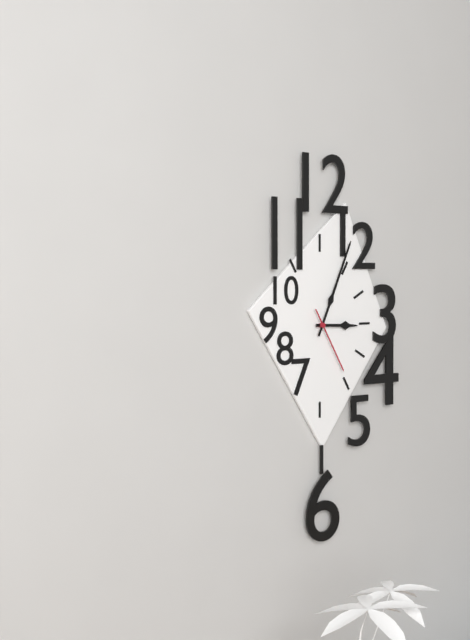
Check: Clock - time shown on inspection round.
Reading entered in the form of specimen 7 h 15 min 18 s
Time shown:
3 h 04 min 25 s
